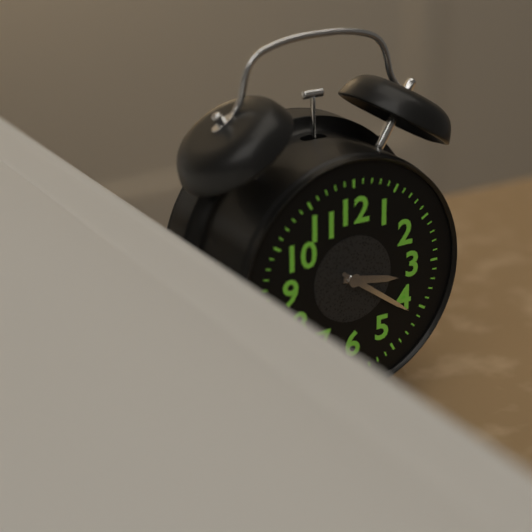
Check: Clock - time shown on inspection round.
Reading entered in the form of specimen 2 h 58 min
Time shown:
3 h 21 min
